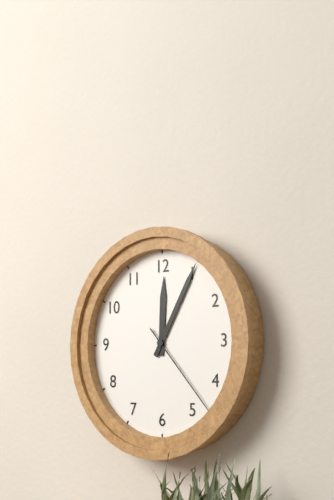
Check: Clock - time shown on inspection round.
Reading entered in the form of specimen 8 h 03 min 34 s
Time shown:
12 h 05 min 23 s
